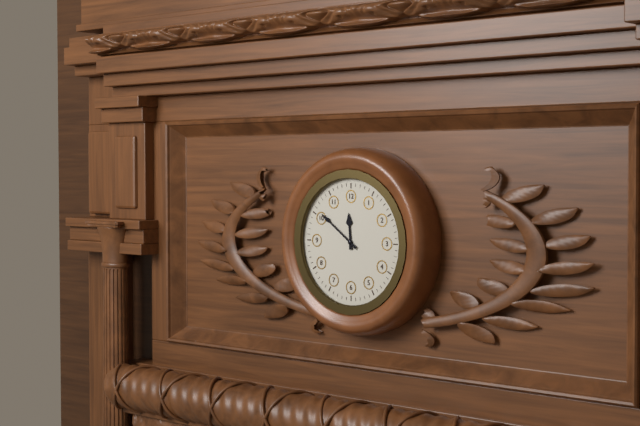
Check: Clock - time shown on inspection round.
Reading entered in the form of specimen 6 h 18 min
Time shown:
11 h 51 min
